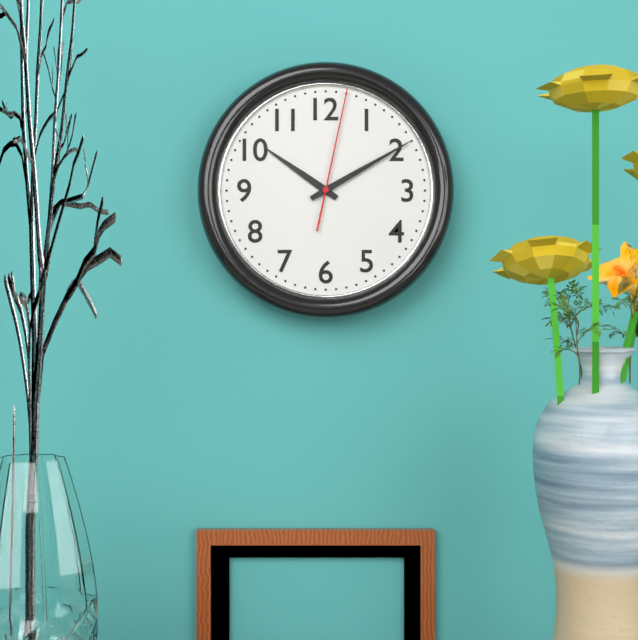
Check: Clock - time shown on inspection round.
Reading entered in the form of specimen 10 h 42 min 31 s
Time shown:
10 h 10 min 02 s
